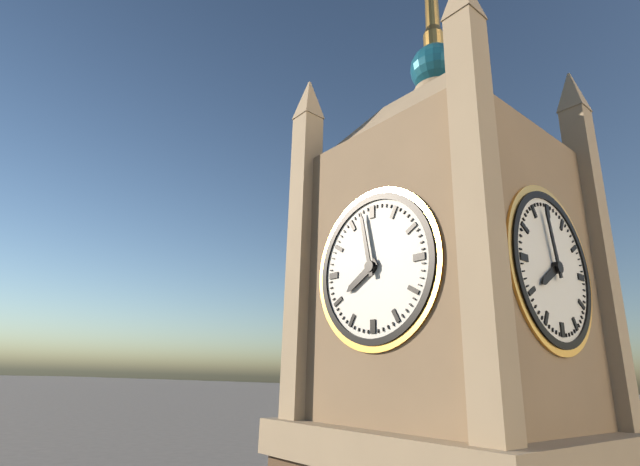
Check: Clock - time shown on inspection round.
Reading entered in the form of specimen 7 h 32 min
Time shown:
7 h 58 min
